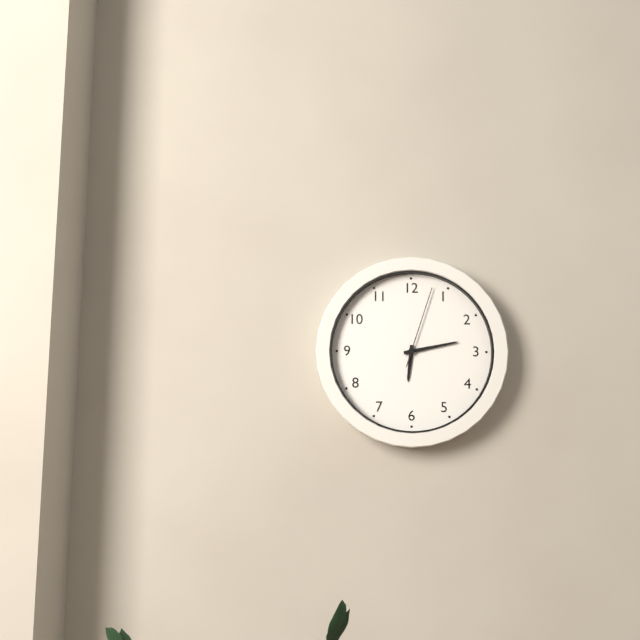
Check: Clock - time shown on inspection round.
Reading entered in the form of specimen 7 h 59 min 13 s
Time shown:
6 h 13 min 03 s
